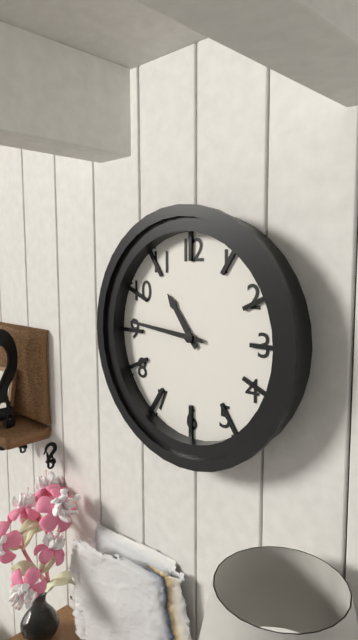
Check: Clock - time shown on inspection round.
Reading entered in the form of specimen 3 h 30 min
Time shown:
10 h 46 min
